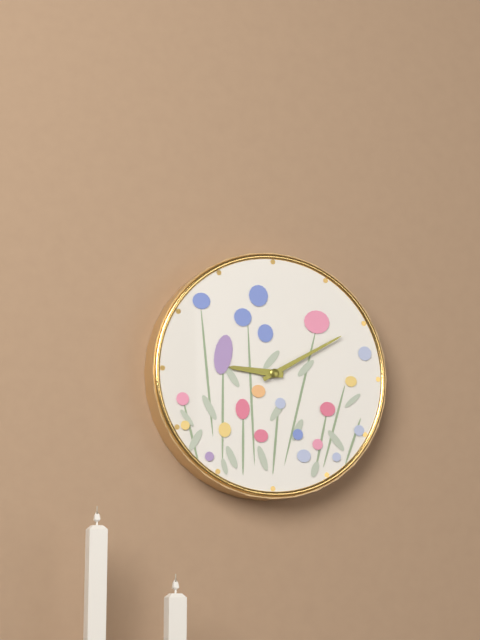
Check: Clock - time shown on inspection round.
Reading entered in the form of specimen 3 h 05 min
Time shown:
9 h 10 min
